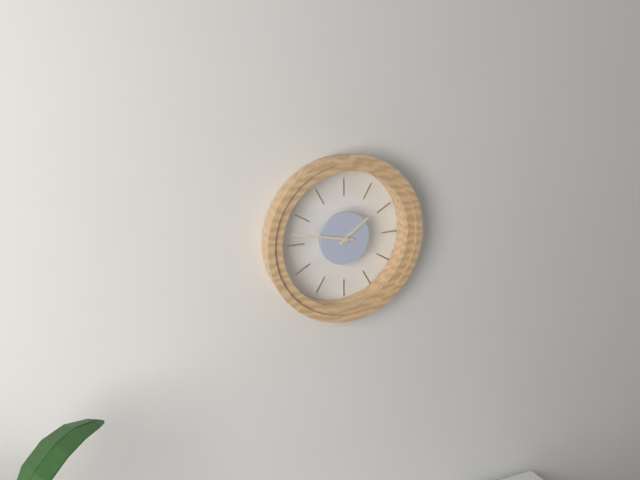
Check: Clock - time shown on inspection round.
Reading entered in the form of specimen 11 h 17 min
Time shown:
1 h 47 min
